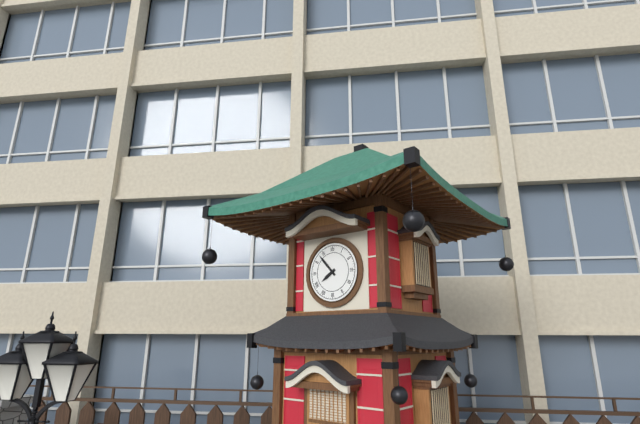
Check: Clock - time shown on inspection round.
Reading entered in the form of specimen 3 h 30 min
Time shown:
7 h 53 min
